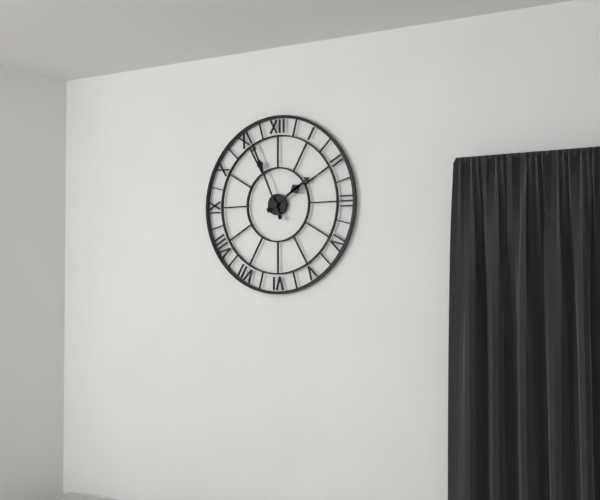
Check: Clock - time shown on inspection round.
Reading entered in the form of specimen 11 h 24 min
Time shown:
1 h 56 min
